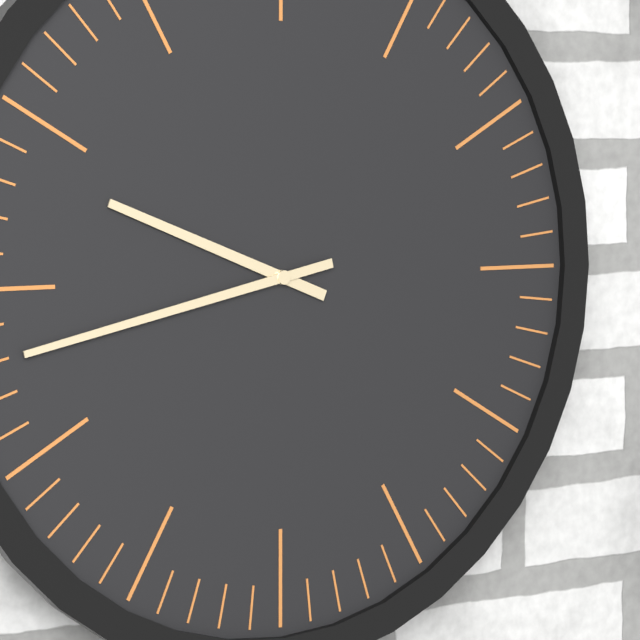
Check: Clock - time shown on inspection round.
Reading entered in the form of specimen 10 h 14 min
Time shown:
9 h 43 min
